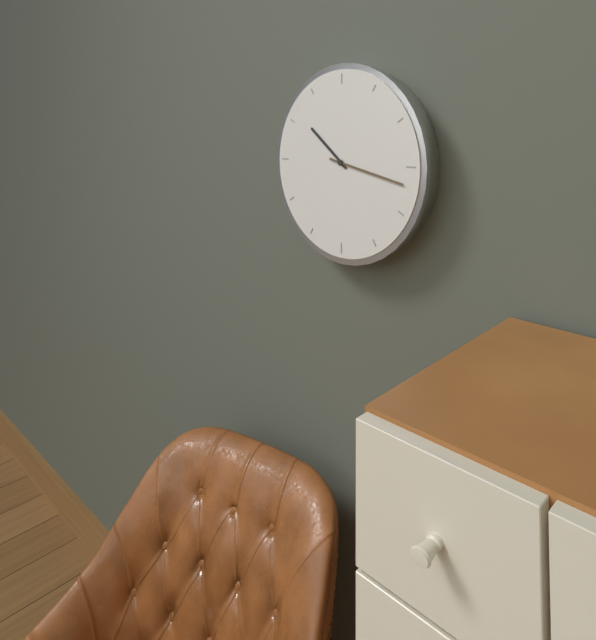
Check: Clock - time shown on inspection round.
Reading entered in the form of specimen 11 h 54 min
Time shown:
10 h 17 min
